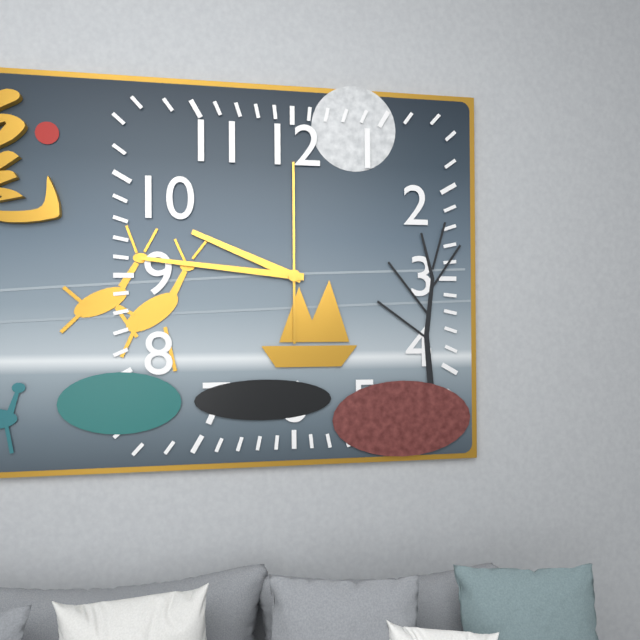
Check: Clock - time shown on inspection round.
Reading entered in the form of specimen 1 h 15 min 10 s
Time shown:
9 h 46 min 00 s
